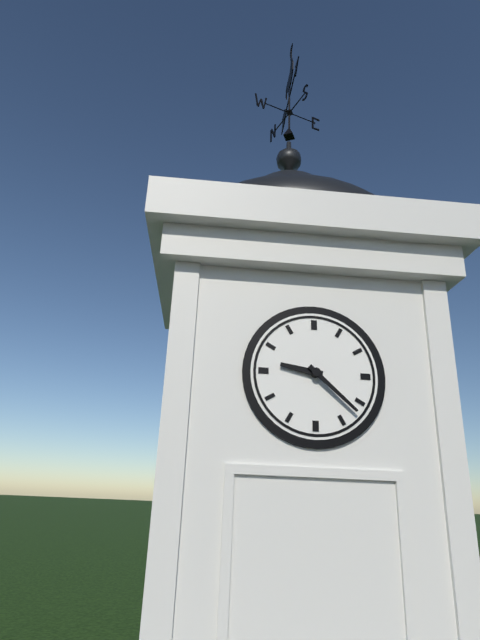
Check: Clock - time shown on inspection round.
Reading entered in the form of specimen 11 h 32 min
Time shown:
9 h 22 min
